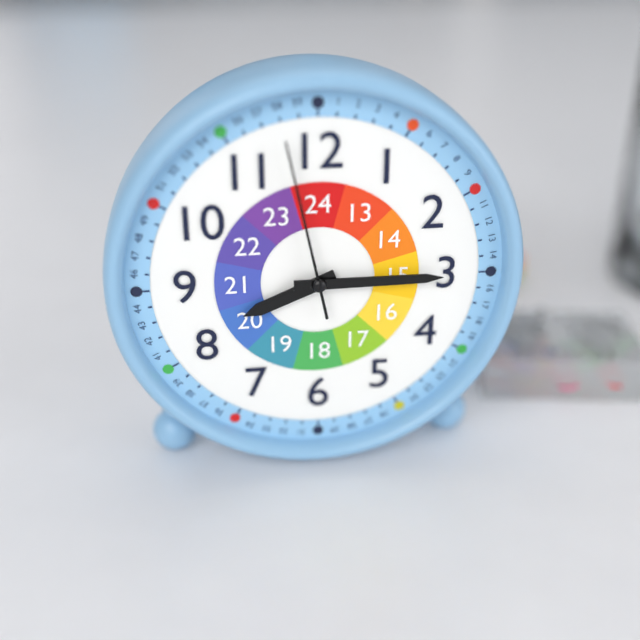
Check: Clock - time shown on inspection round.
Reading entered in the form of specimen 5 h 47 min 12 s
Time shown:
8 h 15 min 58 s
